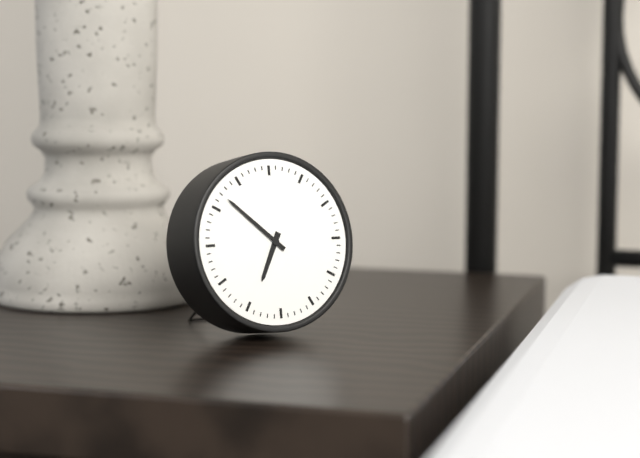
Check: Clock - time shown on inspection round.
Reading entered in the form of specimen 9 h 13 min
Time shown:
6 h 52 min
